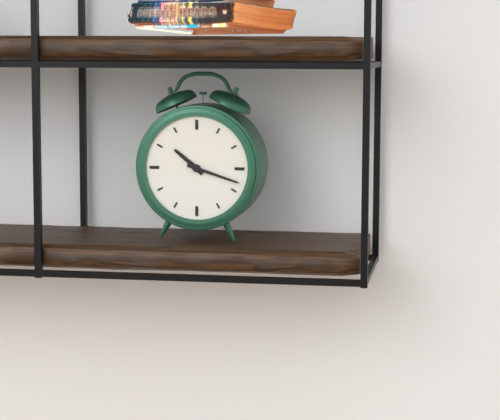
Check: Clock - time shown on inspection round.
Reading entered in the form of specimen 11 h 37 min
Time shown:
10 h 18 min
